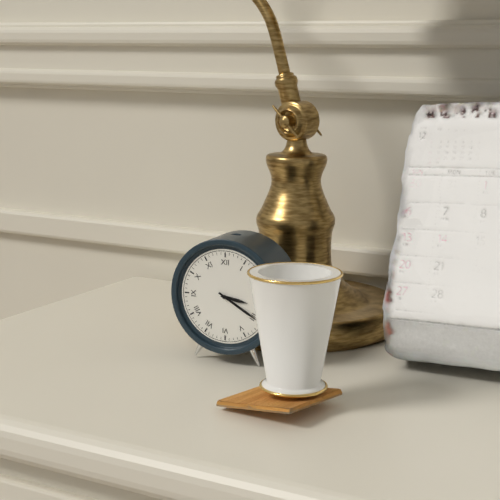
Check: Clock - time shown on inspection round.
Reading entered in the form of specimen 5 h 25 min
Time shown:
3 h 20 min
